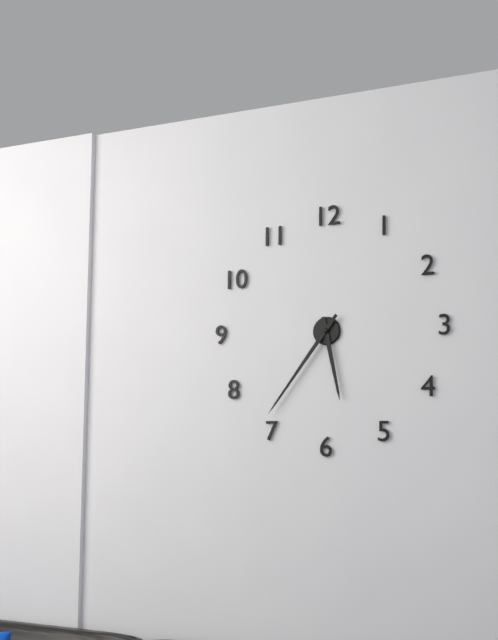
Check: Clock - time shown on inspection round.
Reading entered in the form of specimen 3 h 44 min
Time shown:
5 h 36 min
